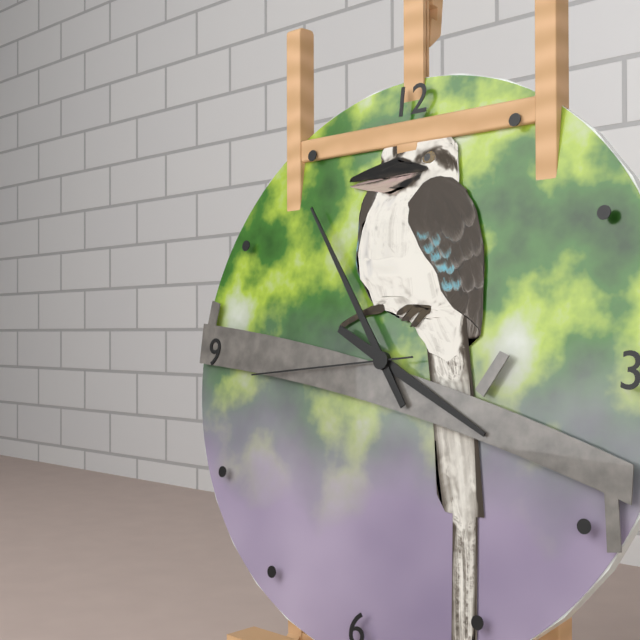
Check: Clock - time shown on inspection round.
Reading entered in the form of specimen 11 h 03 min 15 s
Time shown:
3 h 54 min 44 s
